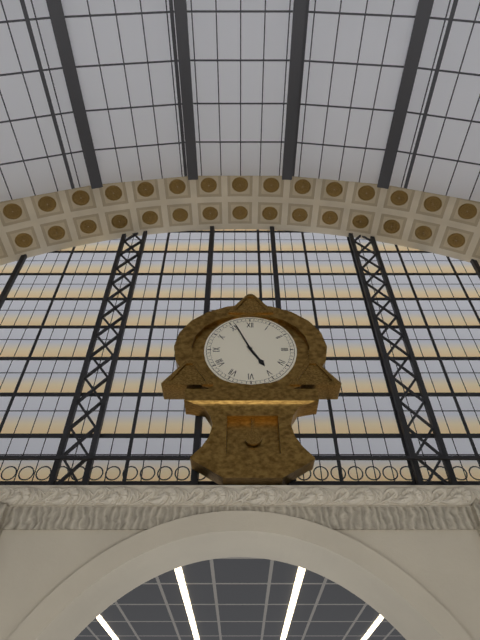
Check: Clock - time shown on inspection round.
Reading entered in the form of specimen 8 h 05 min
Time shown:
4 h 56 min
